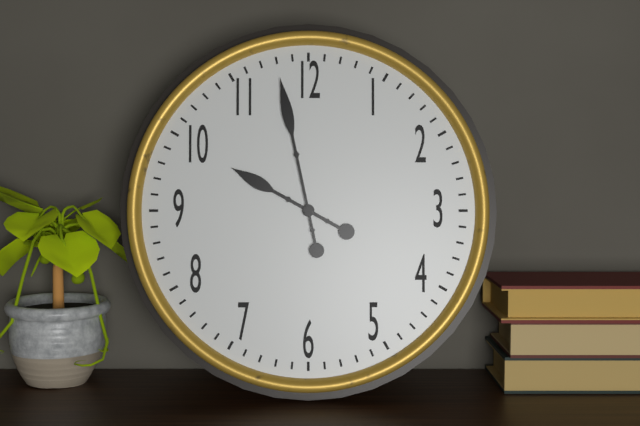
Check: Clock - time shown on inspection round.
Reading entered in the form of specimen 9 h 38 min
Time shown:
9 h 58 min
